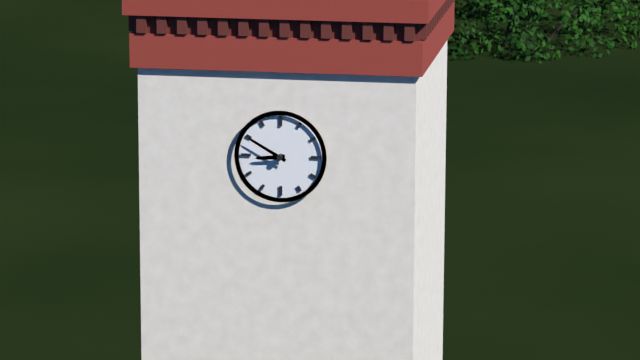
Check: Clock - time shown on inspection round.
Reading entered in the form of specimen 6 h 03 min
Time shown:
8 h 50 min
